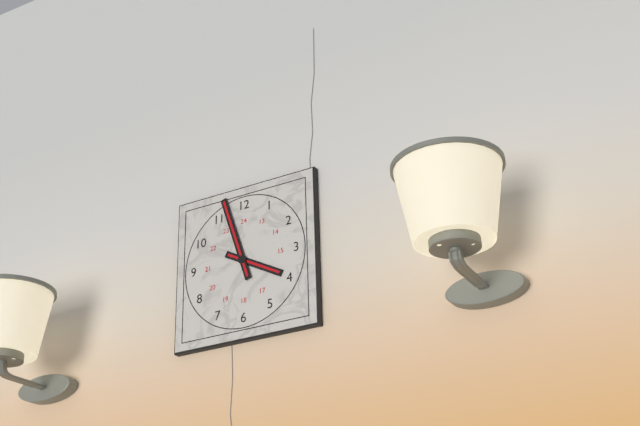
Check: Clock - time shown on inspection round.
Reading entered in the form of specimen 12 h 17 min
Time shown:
3 h 57 min
